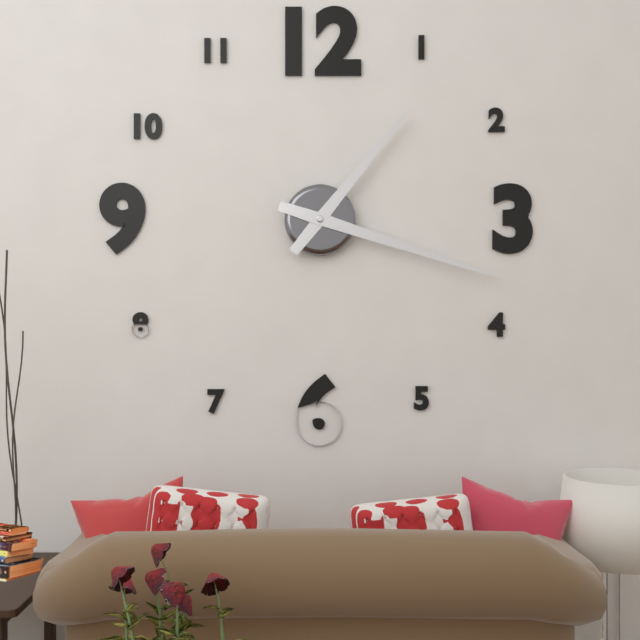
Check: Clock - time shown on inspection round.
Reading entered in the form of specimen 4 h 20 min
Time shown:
1 h 18 min
